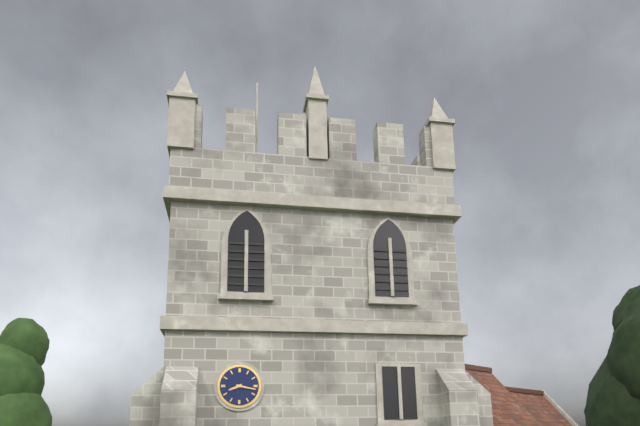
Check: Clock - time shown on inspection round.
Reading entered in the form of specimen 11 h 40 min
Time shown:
8 h 17 min
